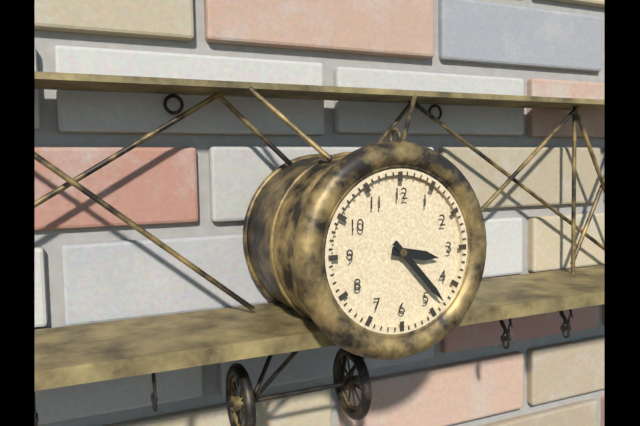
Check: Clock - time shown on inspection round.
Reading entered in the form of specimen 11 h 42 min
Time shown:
3 h 23 min
